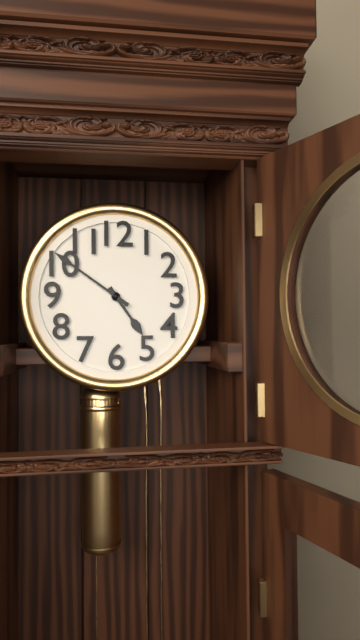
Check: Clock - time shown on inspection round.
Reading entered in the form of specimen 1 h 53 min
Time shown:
4 h 51 min
